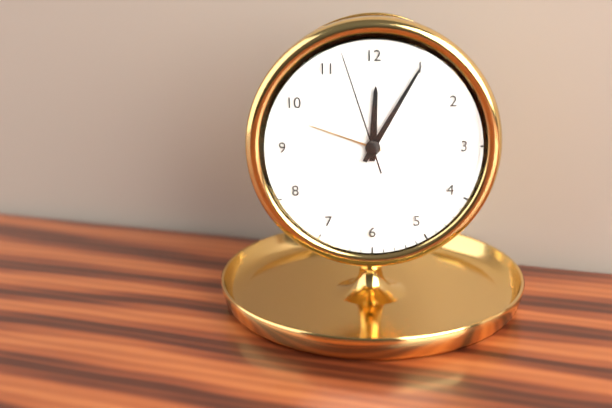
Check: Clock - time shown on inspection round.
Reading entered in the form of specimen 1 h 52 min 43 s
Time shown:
12 h 05 min 57 s
